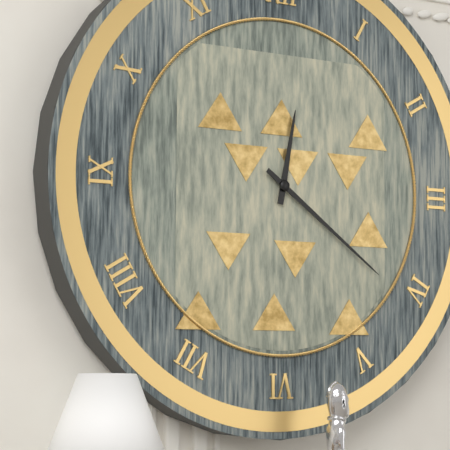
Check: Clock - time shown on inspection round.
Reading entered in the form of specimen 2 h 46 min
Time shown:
12 h 21 min
